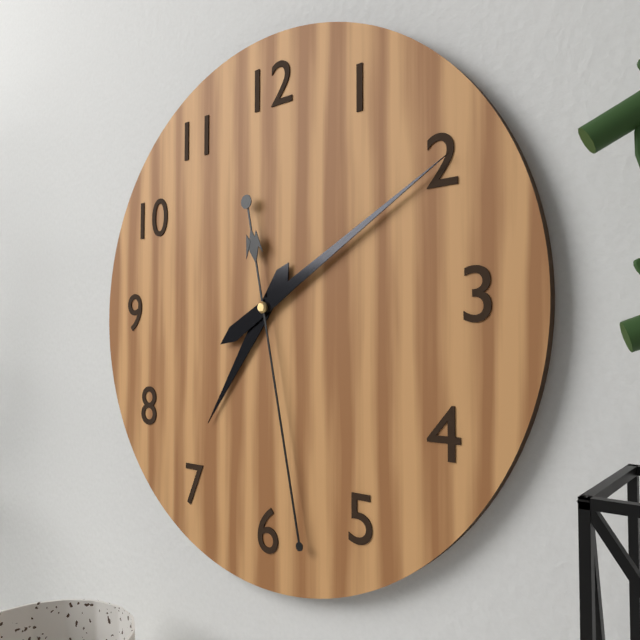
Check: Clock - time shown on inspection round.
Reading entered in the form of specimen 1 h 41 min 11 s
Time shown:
7 h 10 min 28 s
